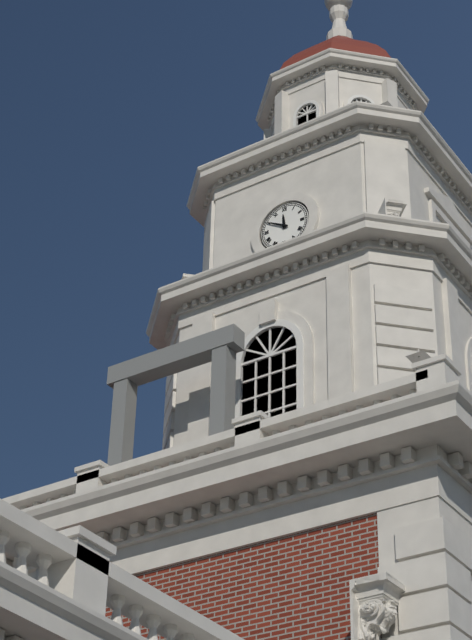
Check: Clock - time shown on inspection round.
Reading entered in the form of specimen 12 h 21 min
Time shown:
11 h 50 min
